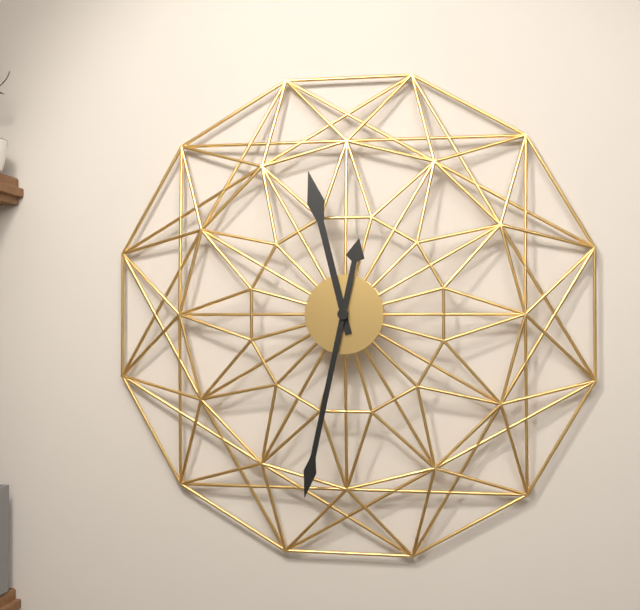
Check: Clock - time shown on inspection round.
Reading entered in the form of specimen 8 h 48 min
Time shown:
11 h 32 min
